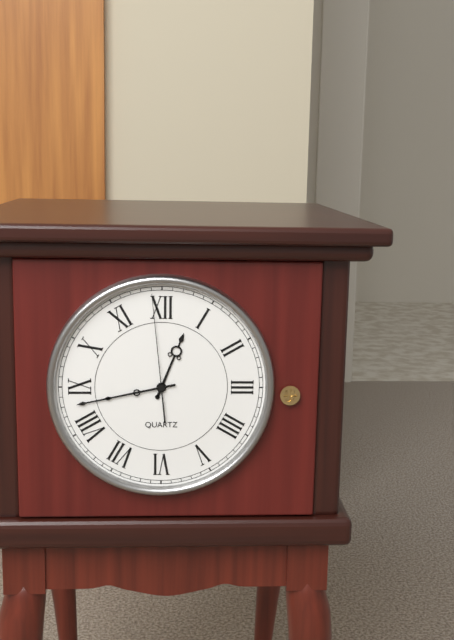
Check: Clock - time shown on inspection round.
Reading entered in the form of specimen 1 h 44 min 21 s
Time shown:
12 h 43 min 59 s
